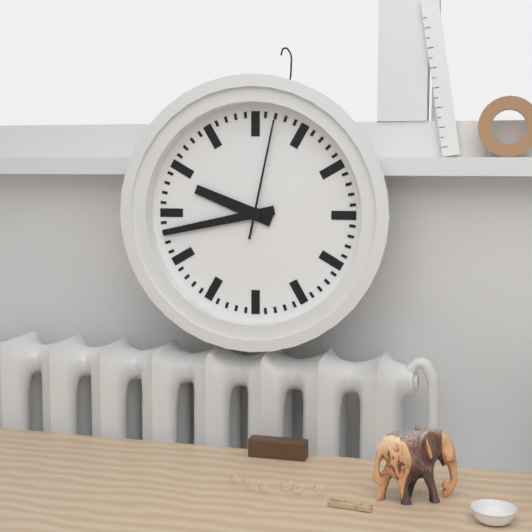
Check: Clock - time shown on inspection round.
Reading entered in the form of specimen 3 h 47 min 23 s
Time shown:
9 h 43 min 02 s
